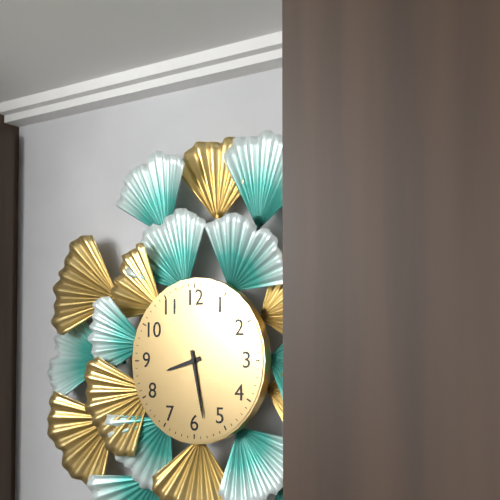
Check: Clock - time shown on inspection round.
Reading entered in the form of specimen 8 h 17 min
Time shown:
8 h 28 min
